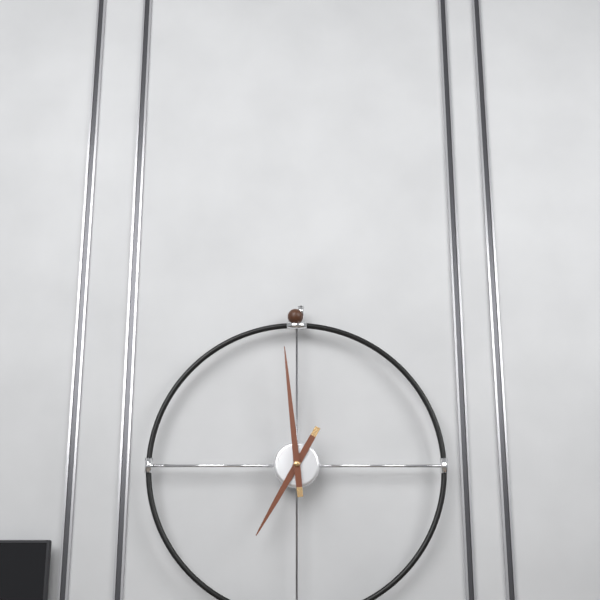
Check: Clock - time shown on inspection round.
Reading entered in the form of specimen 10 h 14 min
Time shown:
6 h 59 min
